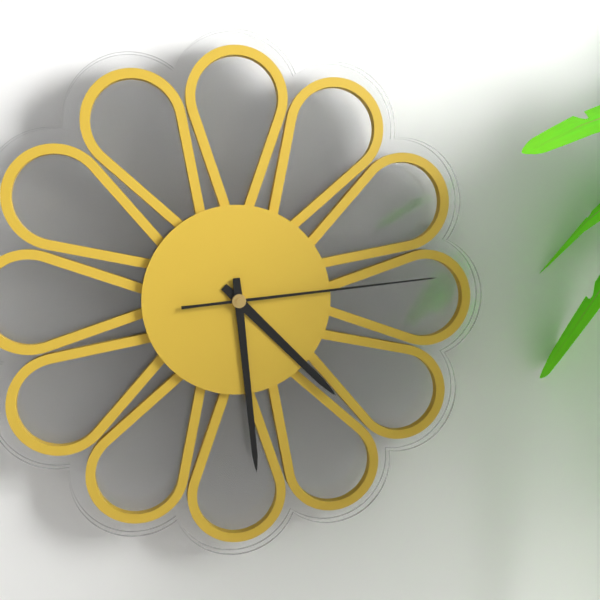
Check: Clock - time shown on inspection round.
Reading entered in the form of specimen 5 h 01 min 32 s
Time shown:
4 h 29 min 14 s
